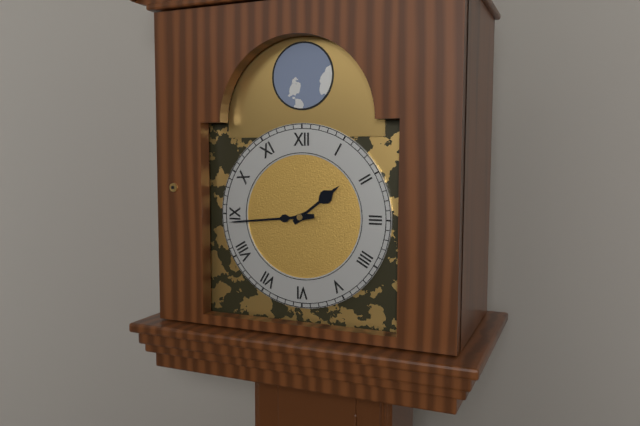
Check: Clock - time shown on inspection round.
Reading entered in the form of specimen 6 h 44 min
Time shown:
1 h 44 min
